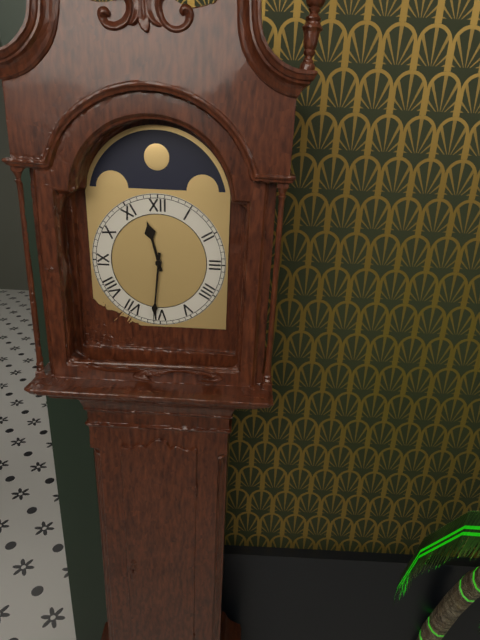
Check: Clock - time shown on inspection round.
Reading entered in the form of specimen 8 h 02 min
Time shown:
11 h 31 min
